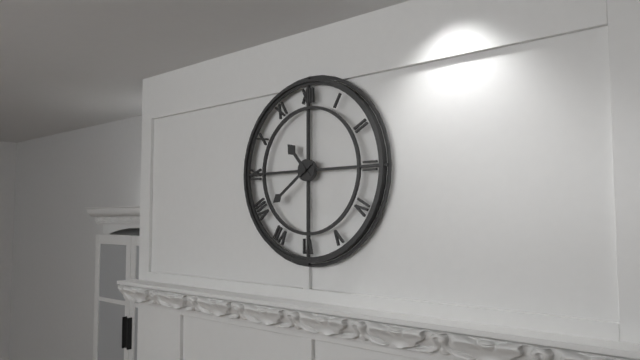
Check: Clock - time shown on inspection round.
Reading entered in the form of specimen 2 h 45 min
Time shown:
10 h 39 min
